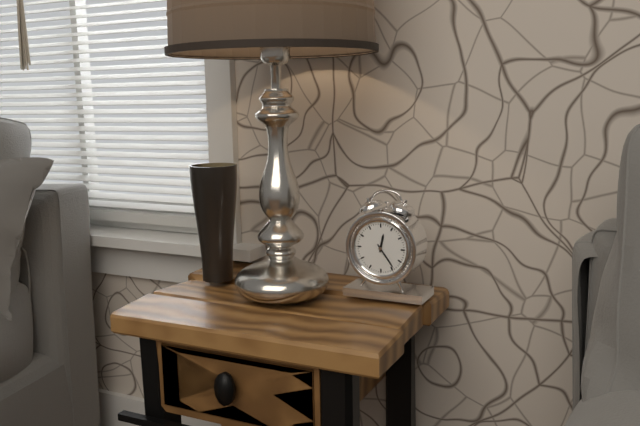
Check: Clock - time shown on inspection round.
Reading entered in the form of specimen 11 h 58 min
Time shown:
12 h 24 min
